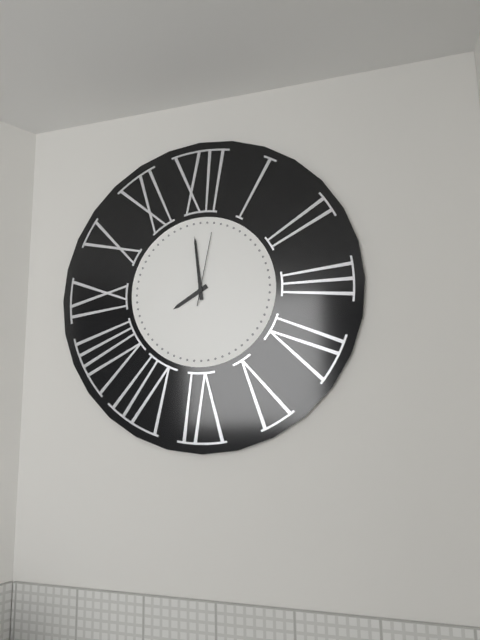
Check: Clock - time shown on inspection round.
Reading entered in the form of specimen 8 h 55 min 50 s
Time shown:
7 h 59 min 02 s
